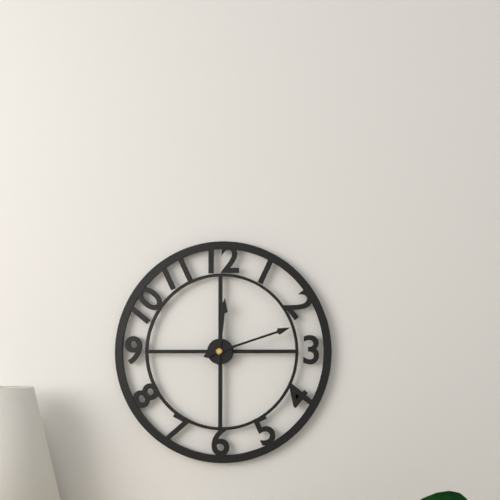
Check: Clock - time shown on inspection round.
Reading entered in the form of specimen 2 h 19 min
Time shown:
12 h 12 min
